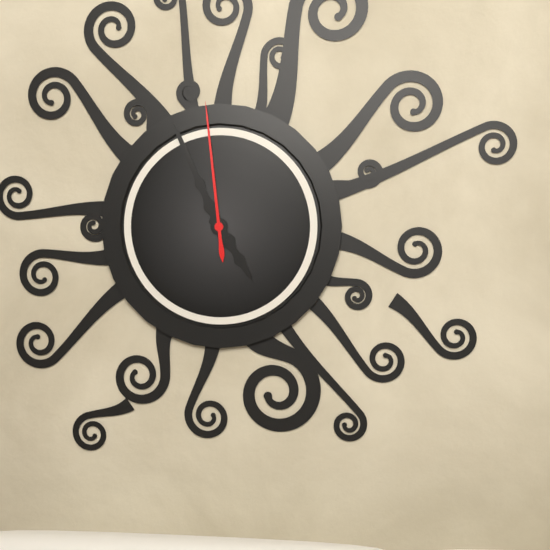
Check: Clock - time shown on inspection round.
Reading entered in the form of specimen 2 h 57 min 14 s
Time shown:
4 h 56 min 59 s
